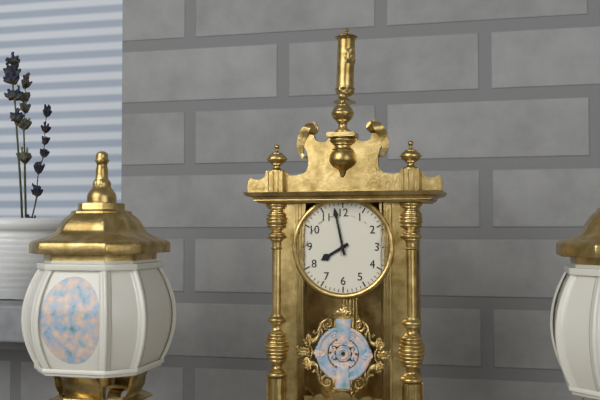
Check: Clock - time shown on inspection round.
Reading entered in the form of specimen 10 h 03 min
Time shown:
7 h 58 min
